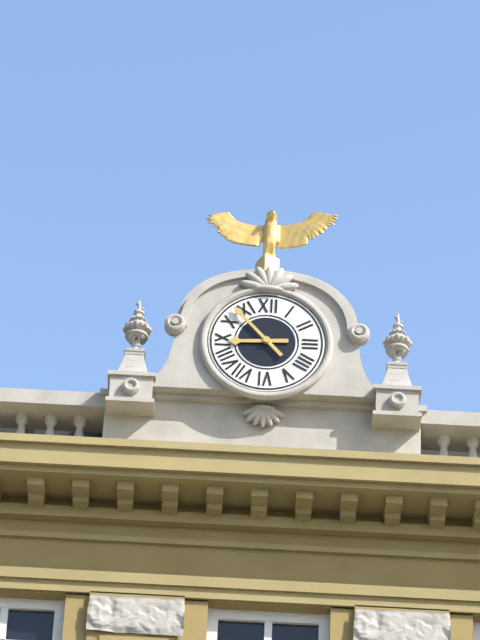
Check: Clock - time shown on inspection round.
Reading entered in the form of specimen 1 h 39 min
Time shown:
8 h 53 min
